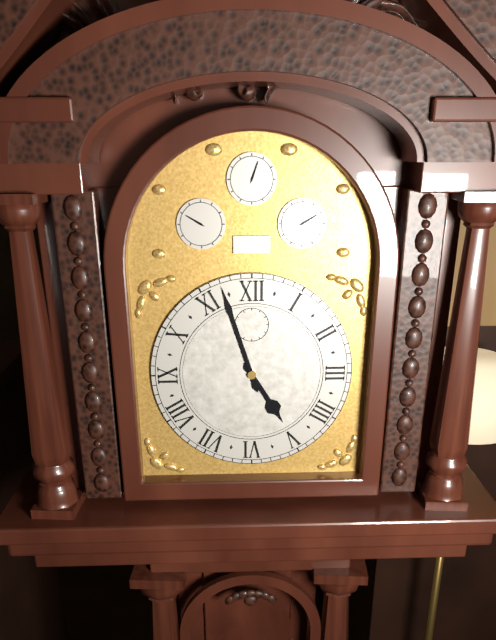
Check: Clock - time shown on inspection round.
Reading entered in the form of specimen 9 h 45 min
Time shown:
4 h 57 min
